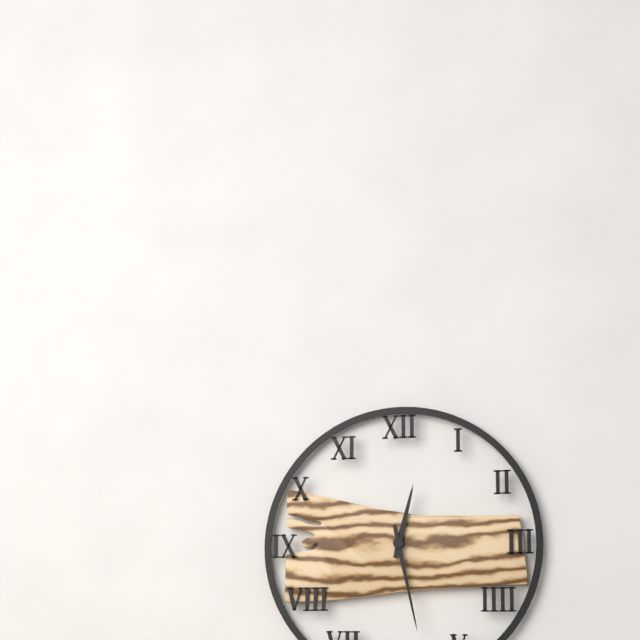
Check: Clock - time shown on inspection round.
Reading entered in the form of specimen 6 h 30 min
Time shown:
12 h 28 min
